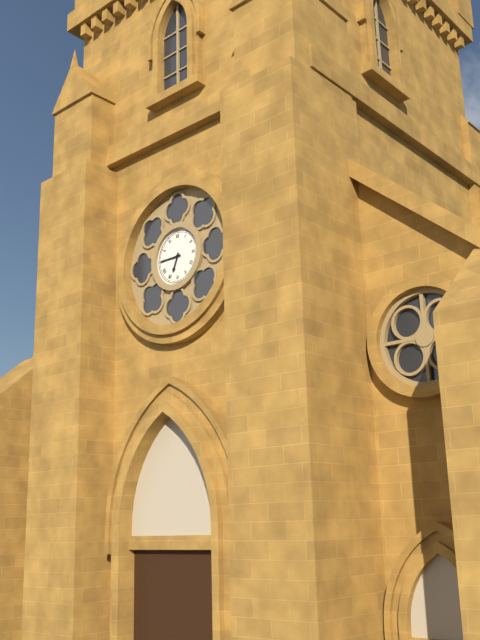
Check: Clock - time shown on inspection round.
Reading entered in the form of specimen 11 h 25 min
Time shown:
6 h 45 min
